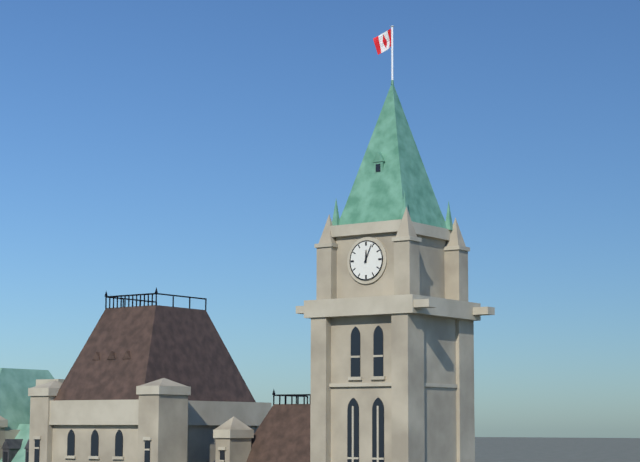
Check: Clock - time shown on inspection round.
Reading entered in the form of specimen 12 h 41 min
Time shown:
12 h 04 min
